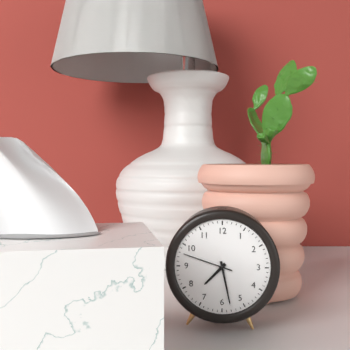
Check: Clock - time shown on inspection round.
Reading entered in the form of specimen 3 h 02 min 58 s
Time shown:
7 h 28 min 48 s
